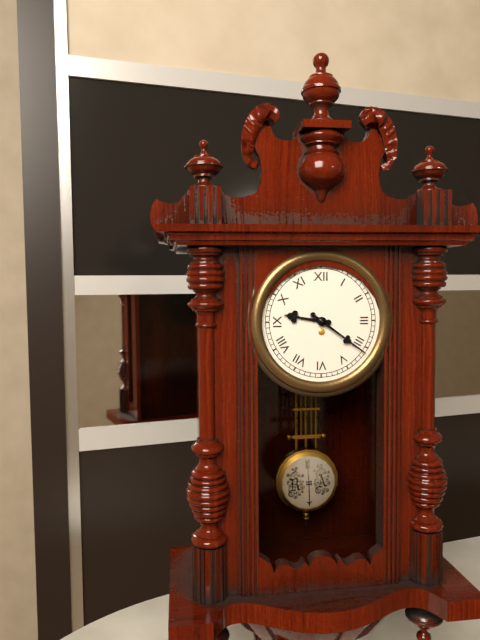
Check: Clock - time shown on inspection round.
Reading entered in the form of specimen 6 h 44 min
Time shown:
9 h 21 min
